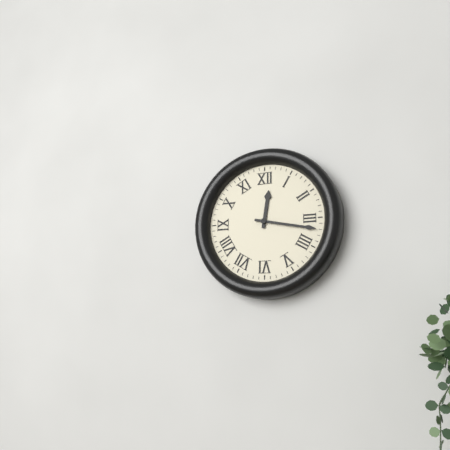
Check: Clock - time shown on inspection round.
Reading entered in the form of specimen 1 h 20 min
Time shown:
12 h 17 min
